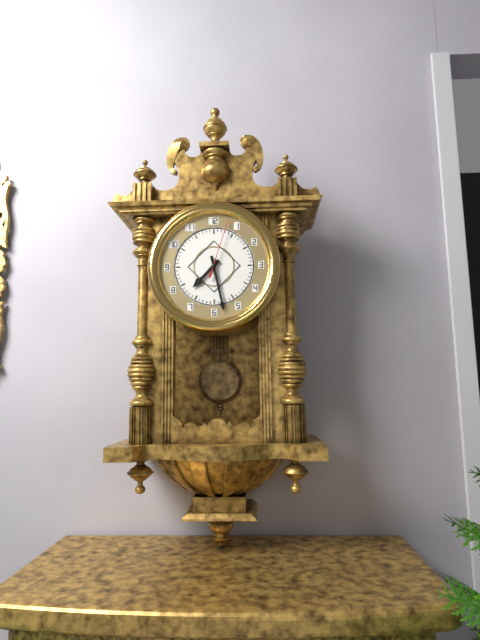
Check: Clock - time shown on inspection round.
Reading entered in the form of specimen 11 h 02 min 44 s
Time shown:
7 h 28 min 03 s
